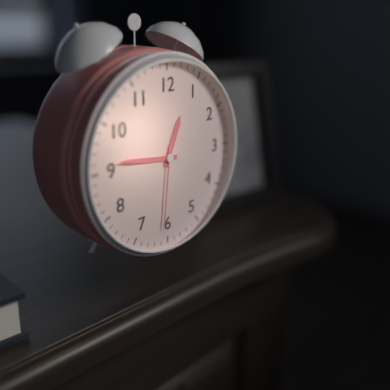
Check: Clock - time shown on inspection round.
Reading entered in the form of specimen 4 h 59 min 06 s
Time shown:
12 h 46 min 31 s
